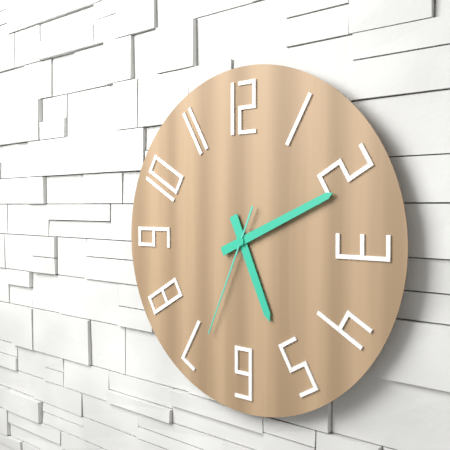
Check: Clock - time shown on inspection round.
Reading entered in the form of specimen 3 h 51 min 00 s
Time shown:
5 h 11 min 34 s
